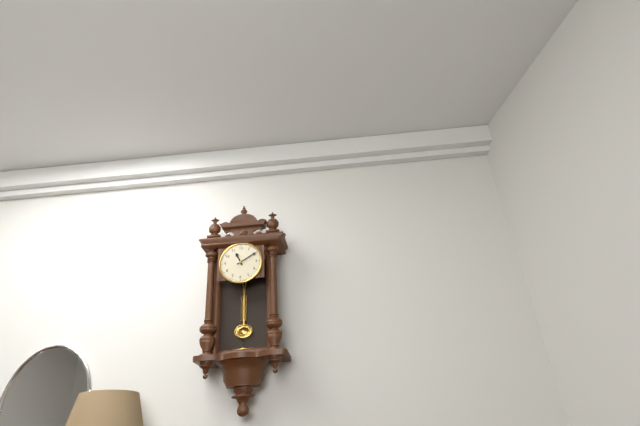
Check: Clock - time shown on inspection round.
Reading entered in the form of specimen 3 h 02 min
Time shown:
11 h 10 min
